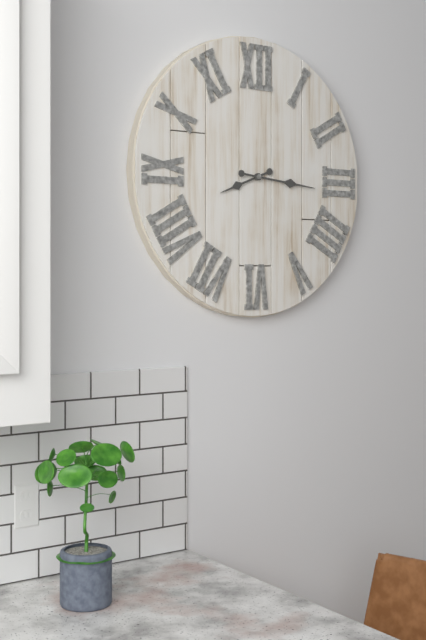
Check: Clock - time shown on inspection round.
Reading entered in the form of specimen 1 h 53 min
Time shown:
8 h 16 min
